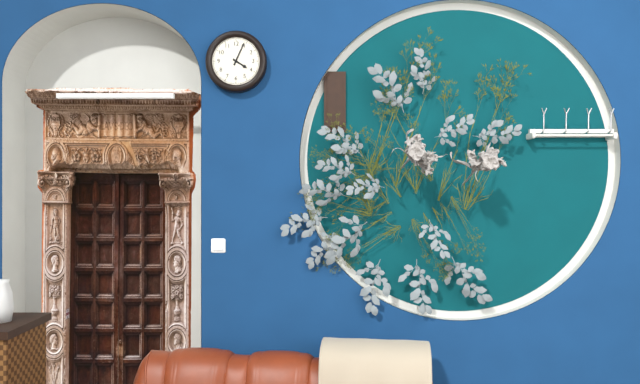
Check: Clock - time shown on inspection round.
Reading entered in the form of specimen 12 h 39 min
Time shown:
4 h 04 min
